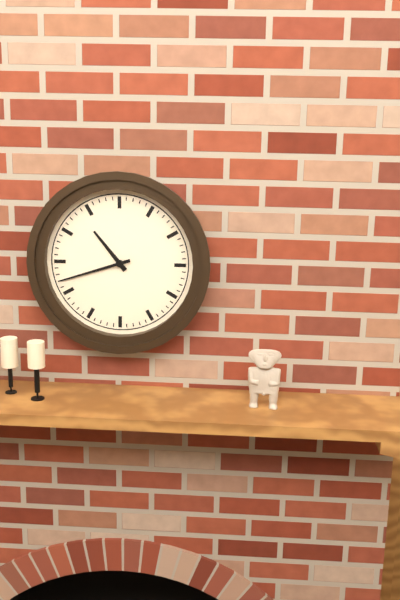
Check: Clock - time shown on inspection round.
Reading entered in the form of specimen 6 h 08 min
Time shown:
10 h 42 min
